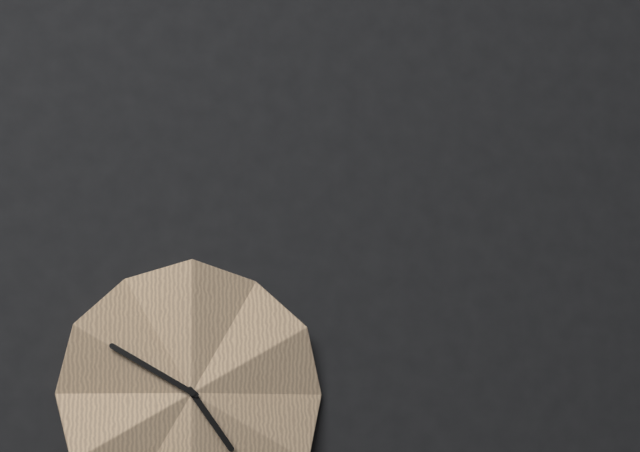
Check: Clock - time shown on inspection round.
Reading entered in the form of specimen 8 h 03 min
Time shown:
4 h 50 min
